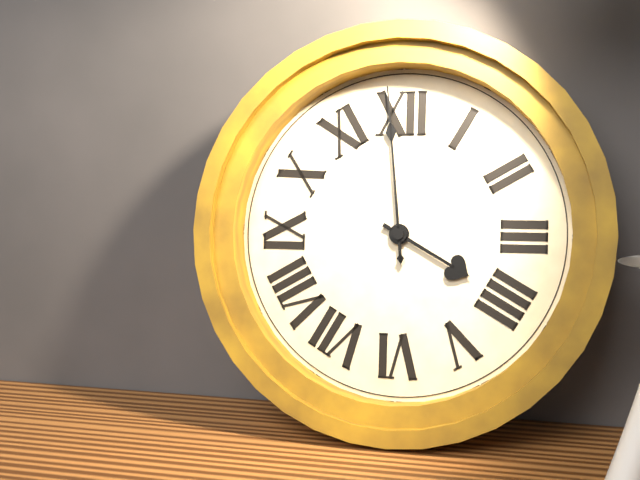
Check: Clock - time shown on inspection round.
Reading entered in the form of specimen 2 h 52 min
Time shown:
3 h 59 min
